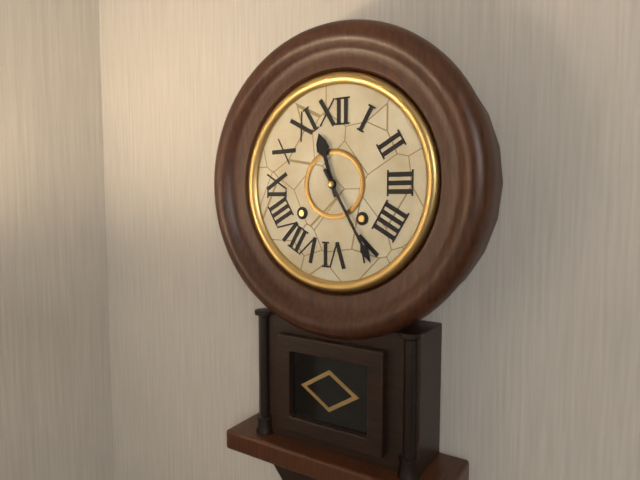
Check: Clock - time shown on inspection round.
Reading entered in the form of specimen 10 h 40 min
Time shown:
11 h 25 min
